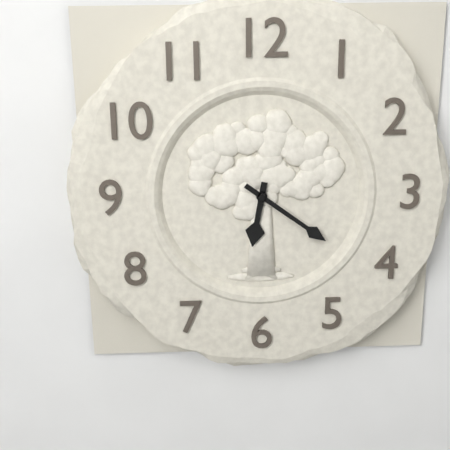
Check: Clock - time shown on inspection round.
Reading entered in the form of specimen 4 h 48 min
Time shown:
6 h 21 min
